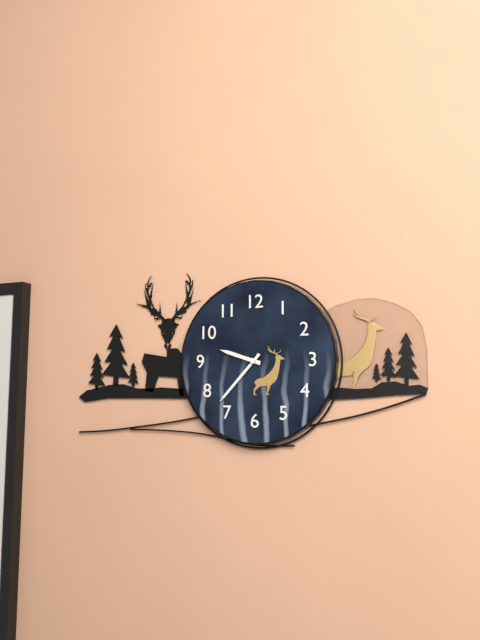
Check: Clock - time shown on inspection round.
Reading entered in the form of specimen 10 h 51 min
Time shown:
9 h 37 min
